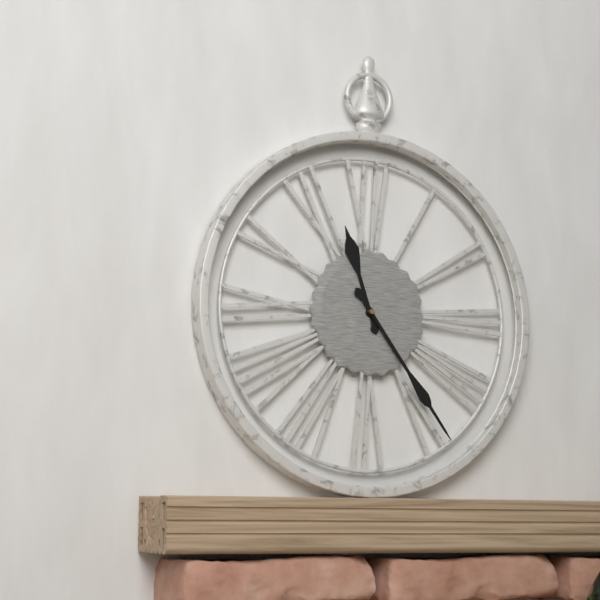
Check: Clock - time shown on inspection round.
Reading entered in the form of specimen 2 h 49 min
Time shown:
11 h 24 min
